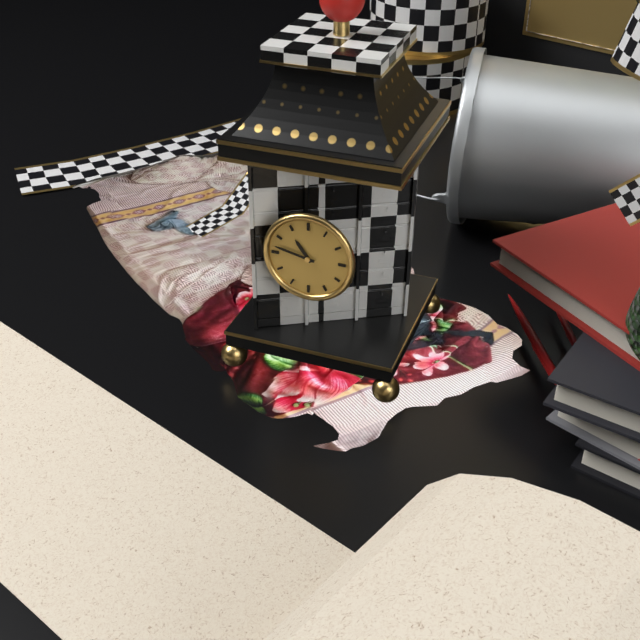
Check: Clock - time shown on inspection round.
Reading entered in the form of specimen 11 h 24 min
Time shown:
10 h 47 min
